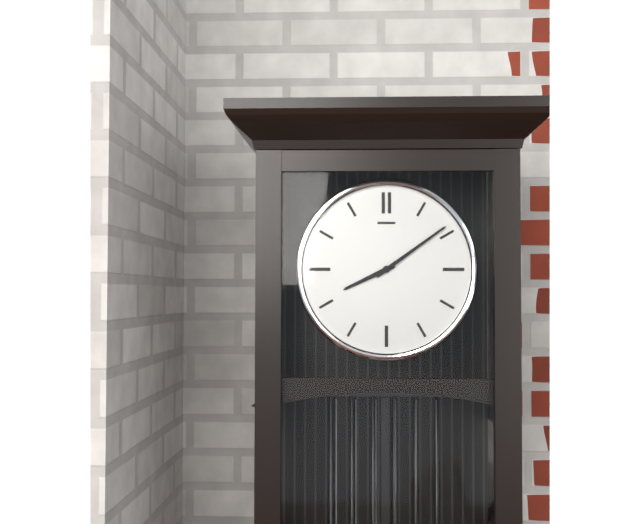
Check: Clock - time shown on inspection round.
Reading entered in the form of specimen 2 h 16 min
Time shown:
8 h 09 min
